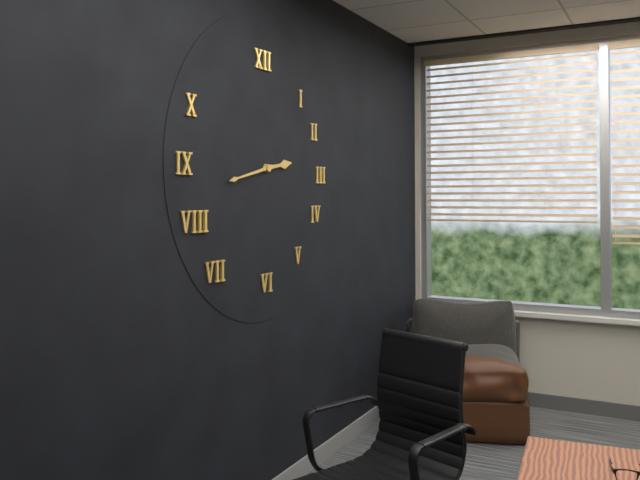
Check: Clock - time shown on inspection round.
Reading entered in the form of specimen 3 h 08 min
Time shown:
2 h 43 min
